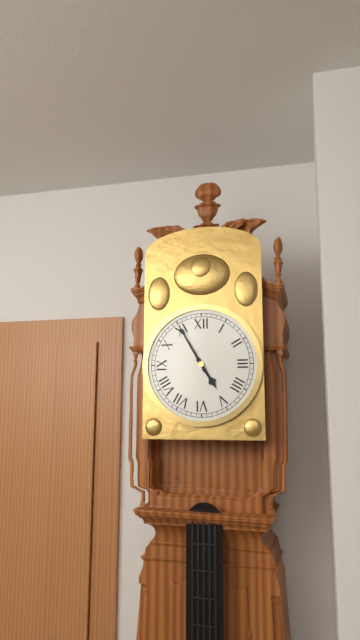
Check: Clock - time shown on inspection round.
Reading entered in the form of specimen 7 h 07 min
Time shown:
4 h 55 min
